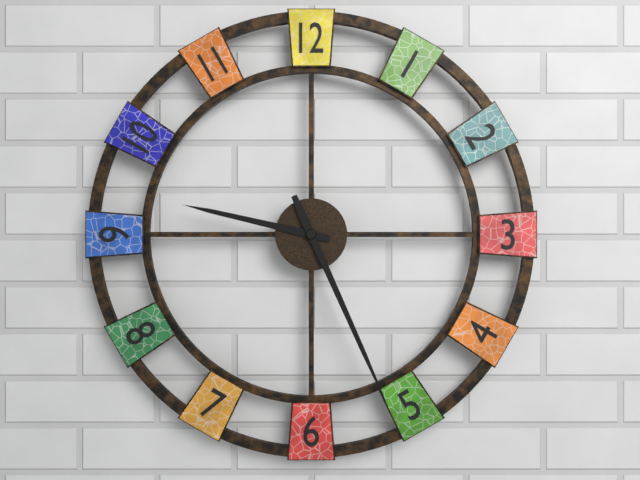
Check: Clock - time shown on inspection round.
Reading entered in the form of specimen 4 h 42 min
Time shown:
9 h 26 min
